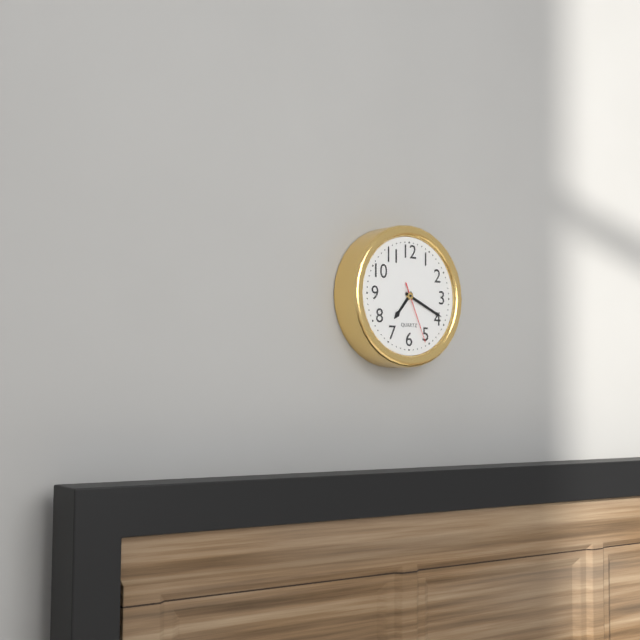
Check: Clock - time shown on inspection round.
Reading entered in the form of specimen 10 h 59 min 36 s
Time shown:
7 h 19 min 26 s
